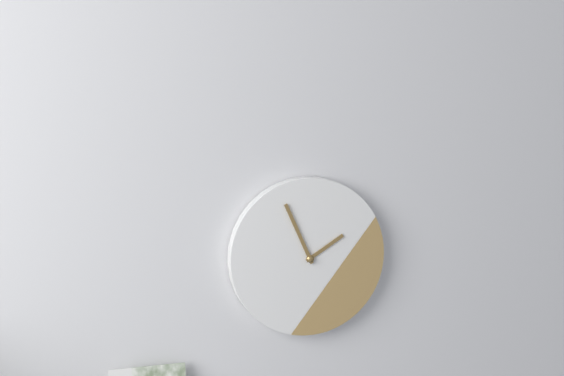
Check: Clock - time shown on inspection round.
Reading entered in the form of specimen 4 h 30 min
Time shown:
1 h 56 min
